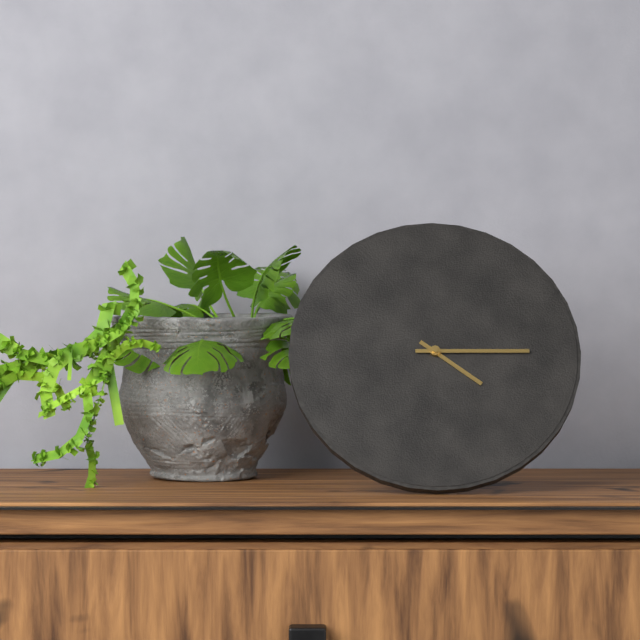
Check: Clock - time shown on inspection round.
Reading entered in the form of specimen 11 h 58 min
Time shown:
4 h 15 min
